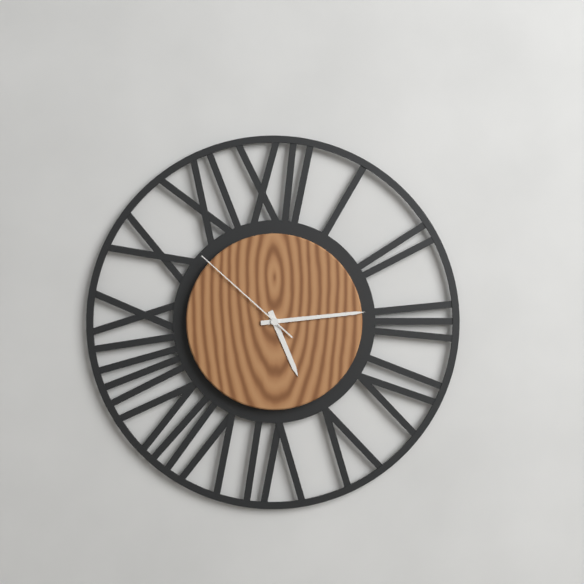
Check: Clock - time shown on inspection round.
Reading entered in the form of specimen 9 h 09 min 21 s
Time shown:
5 h 14 min 52 s
